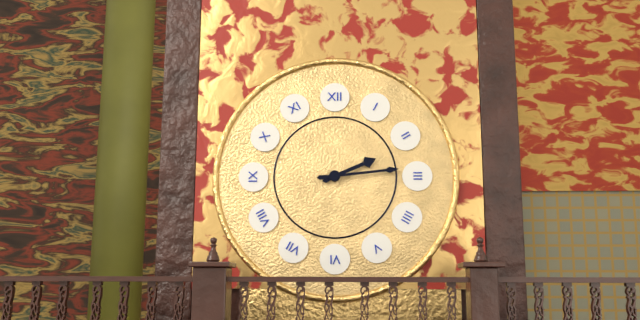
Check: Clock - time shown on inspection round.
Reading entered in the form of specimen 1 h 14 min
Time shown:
2 h 14 min
